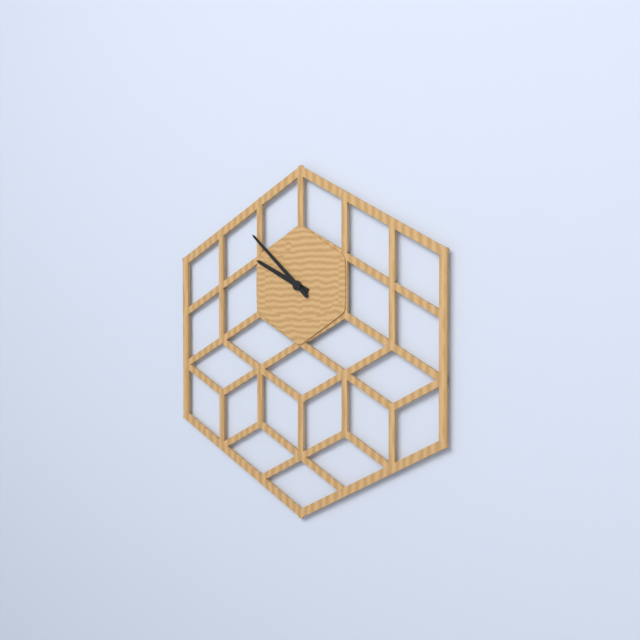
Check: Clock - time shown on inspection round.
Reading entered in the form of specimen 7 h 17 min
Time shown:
9 h 52 min
